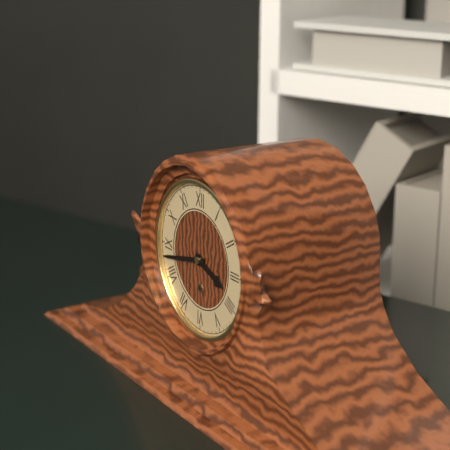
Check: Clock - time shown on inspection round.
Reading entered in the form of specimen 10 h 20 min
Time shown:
3 h 43 min
